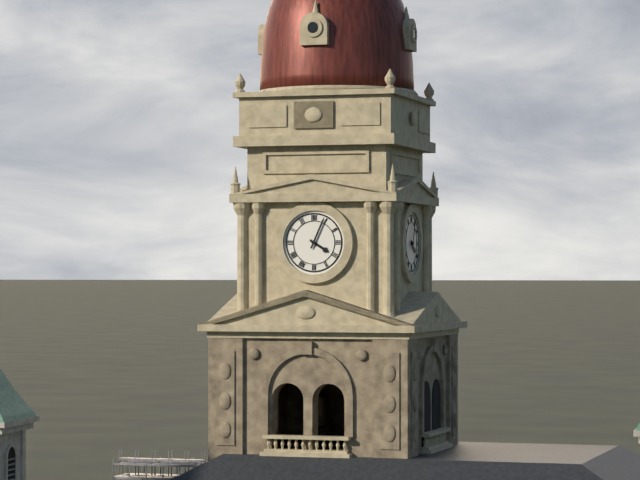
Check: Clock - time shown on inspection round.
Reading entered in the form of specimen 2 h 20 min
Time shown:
4 h 04 min
